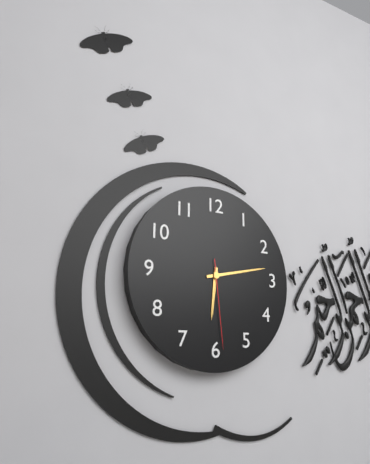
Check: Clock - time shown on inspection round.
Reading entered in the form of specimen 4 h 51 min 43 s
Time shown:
6 h 13 min 29 s
